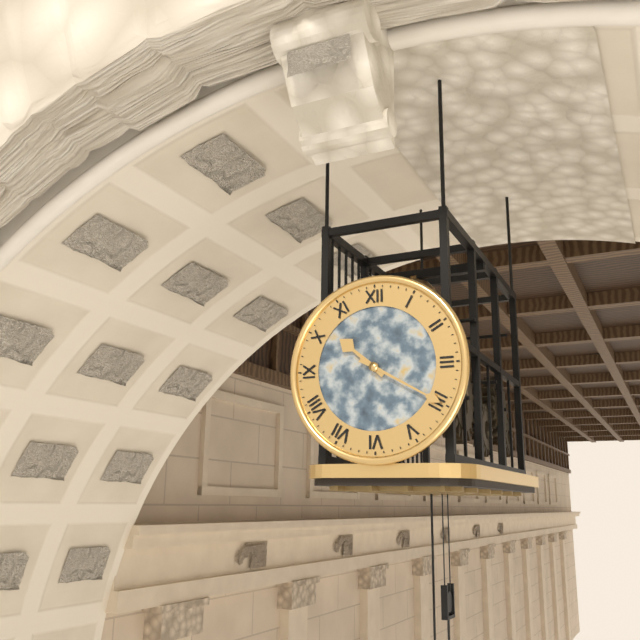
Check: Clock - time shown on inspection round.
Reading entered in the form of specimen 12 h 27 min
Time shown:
10 h 20 min
